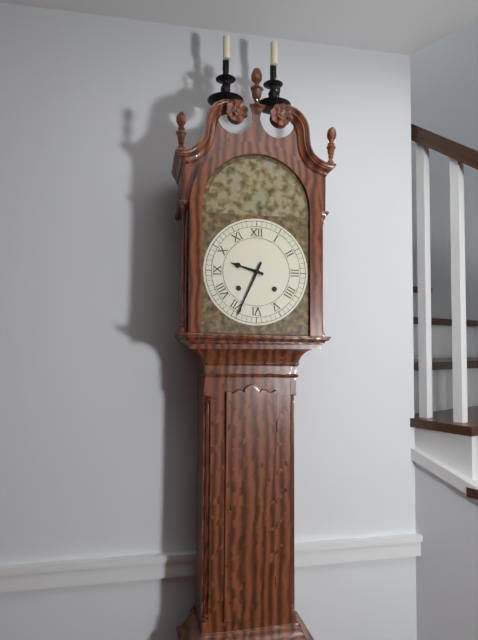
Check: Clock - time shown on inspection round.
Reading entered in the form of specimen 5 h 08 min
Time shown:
9 h 34 min
